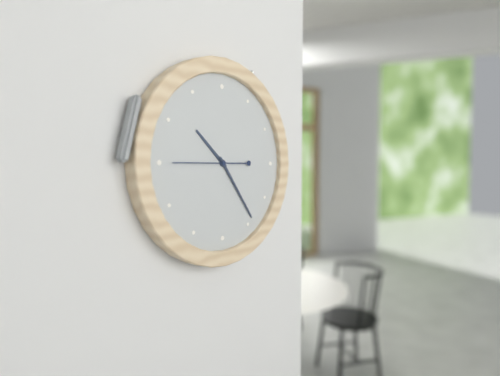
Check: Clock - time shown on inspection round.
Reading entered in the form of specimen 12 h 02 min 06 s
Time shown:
10 h 24 min 45 s
